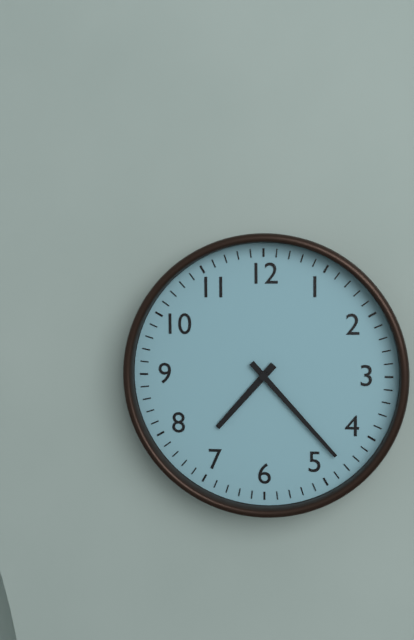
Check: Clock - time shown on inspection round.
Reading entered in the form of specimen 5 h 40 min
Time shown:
7 h 23 min
